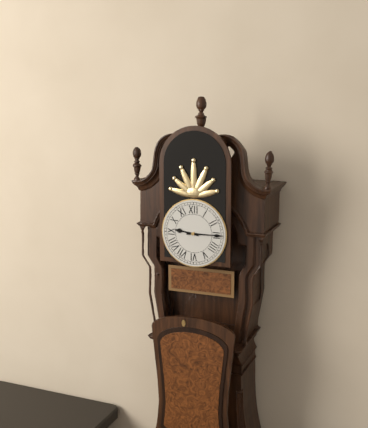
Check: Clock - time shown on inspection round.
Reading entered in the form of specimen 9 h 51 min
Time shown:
9 h 15 min
